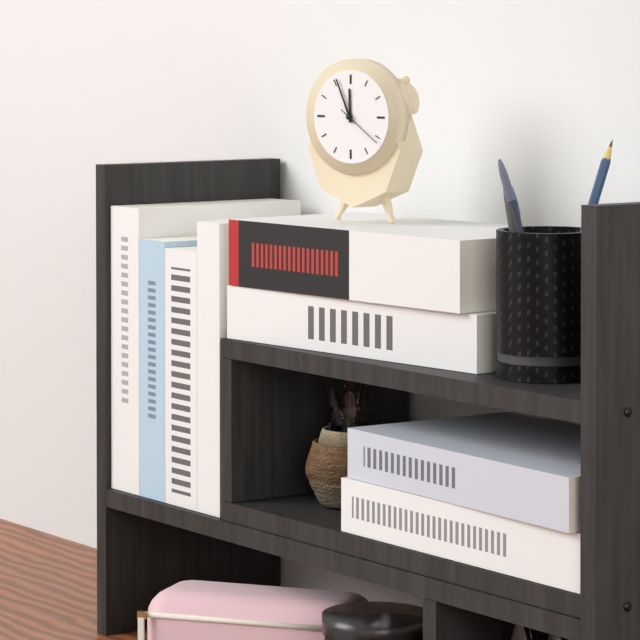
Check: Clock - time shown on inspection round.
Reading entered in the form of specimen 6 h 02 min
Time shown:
11 h 56 min
